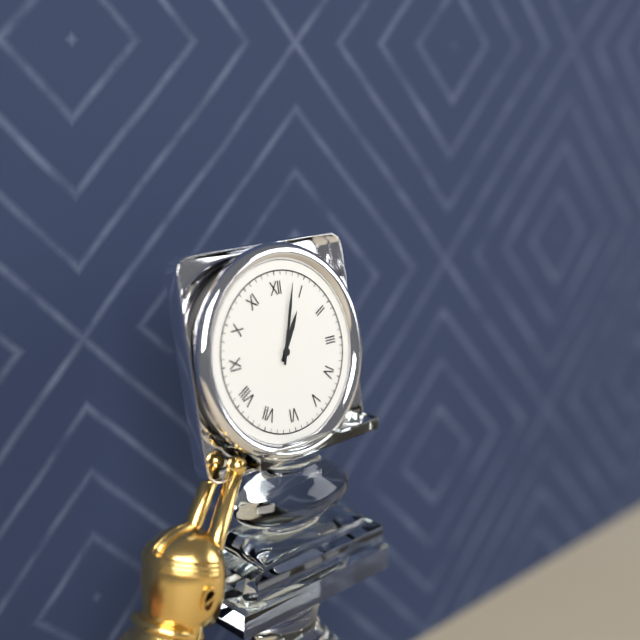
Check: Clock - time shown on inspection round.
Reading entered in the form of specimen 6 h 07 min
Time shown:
1 h 03 min
